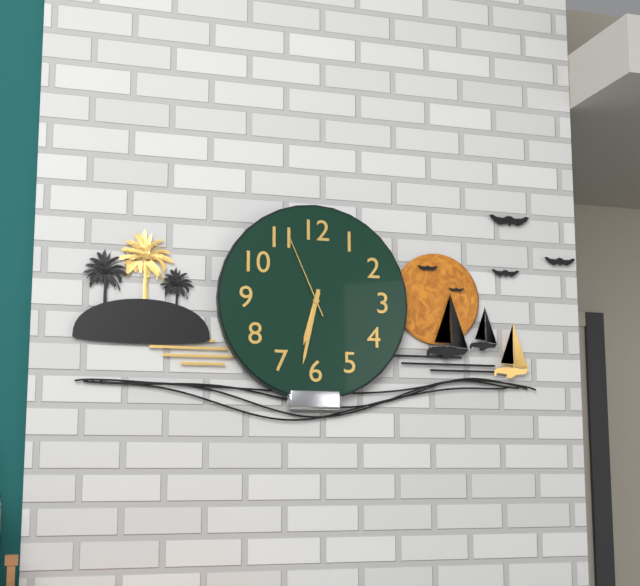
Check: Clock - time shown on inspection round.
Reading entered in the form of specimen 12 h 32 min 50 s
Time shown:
6 h 32 min 56 s
